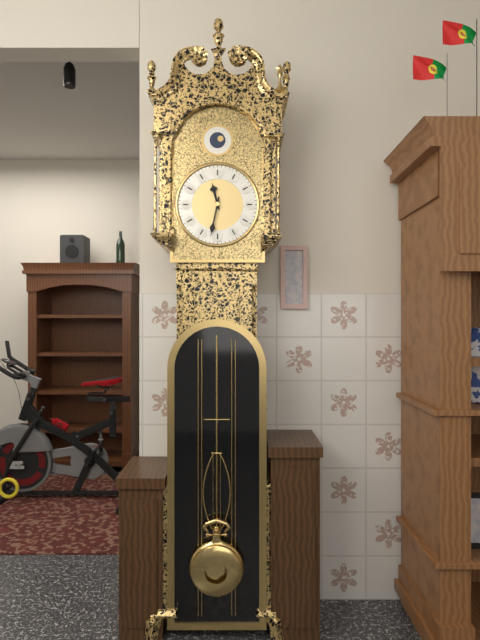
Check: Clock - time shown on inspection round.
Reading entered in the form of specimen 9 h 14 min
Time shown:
11 h 32 min
